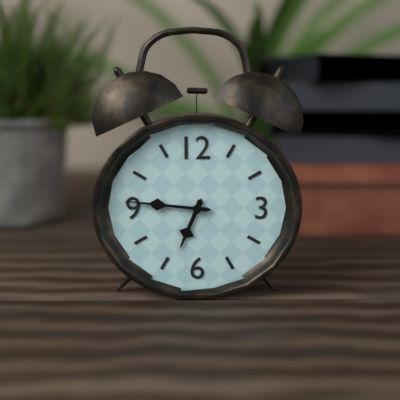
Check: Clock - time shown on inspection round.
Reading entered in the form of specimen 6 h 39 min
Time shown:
6 h 46 min
